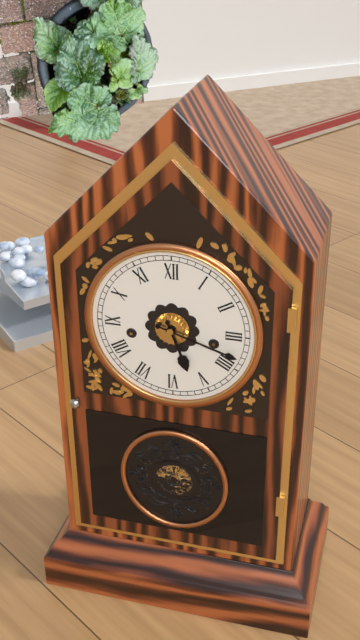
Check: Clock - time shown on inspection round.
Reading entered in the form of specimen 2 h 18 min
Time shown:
5 h 18 min
